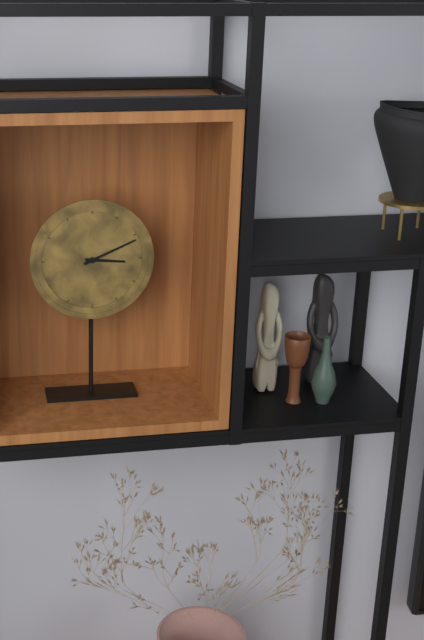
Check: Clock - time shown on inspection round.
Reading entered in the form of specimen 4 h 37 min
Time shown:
3 h 11 min
